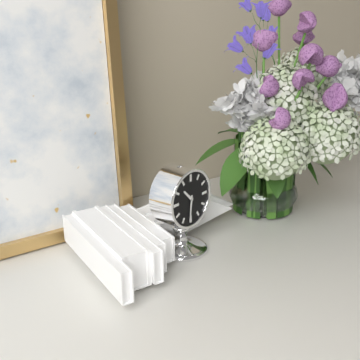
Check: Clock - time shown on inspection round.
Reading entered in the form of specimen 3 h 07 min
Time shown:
10 h 31 min
